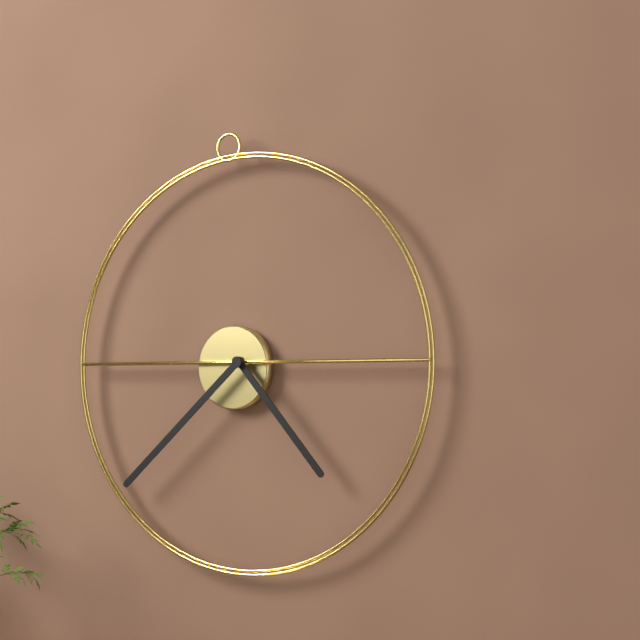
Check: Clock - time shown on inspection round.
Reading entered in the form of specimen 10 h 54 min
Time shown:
4 h 38 min
